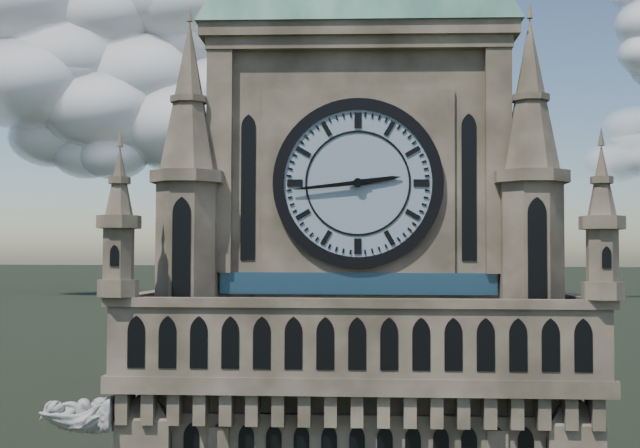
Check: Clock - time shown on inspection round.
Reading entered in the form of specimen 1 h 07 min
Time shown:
2 h 44 min
